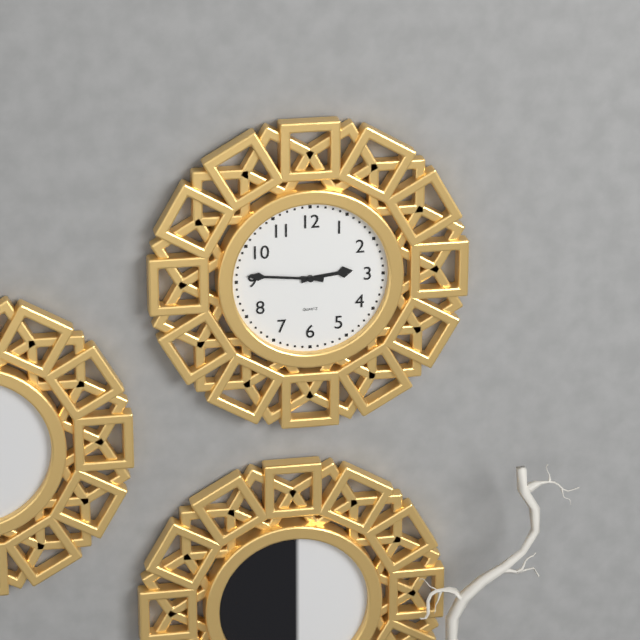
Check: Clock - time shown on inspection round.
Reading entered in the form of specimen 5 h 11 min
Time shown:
2 h 46 min
